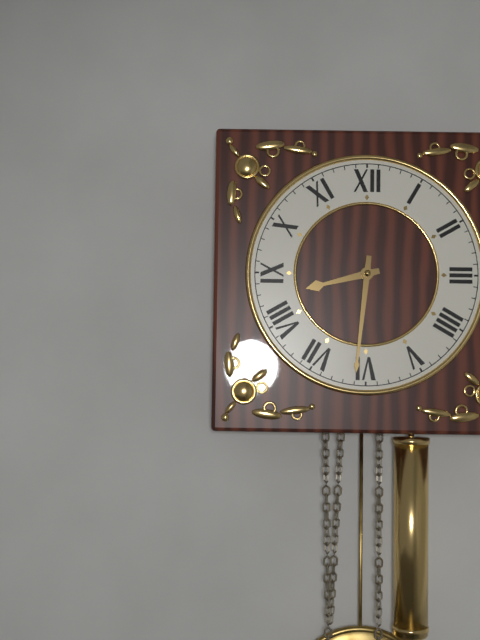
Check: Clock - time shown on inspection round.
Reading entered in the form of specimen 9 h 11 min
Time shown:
8 h 31 min
